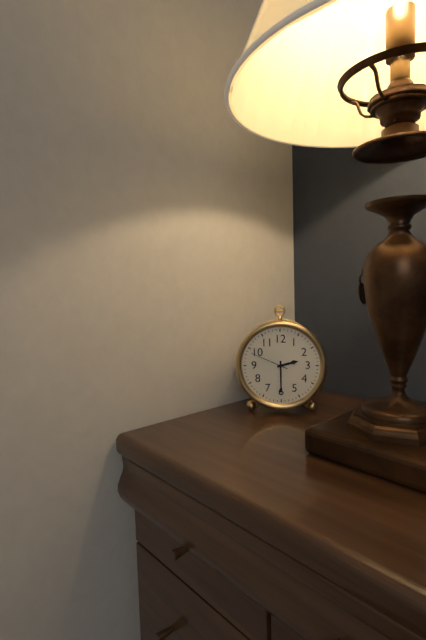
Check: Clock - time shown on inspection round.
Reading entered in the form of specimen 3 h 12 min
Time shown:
2 h 30 min
